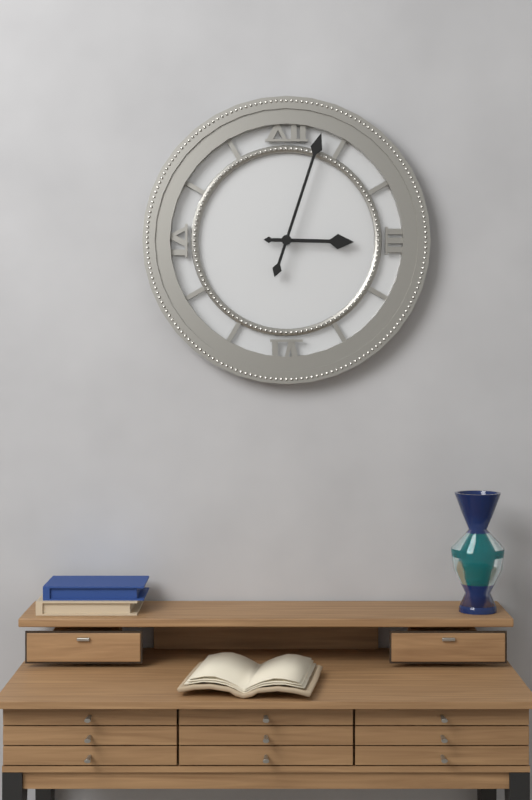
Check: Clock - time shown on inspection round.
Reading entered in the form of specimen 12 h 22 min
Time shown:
3 h 03 min
